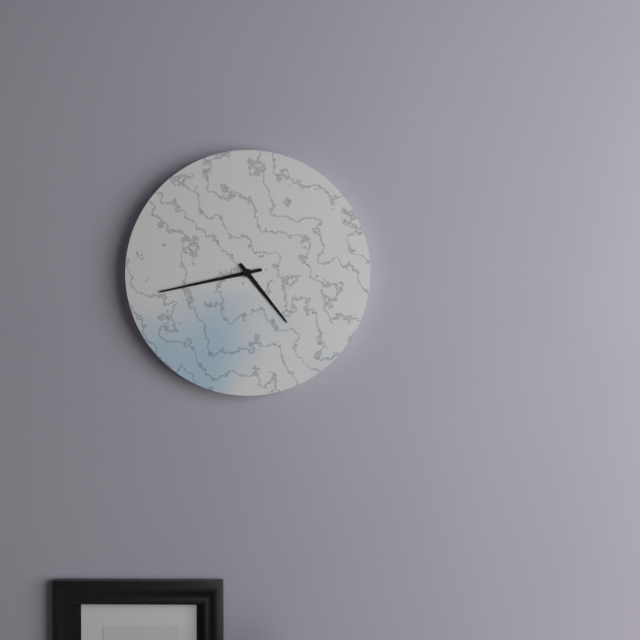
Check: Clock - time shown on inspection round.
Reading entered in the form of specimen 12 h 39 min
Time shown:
4 h 43 min
